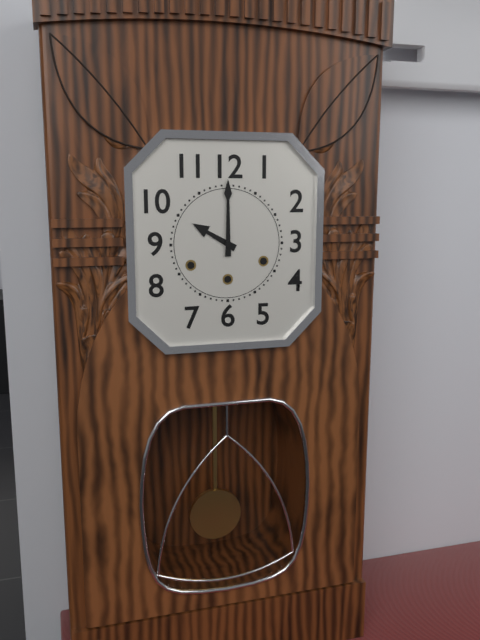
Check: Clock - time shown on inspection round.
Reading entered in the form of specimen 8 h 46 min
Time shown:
10 h 00 min
